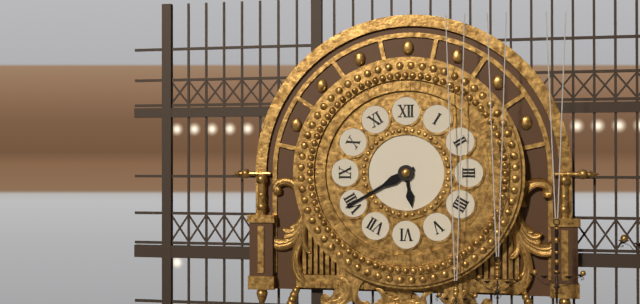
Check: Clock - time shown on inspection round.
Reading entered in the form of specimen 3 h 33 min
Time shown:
5 h 40 min
